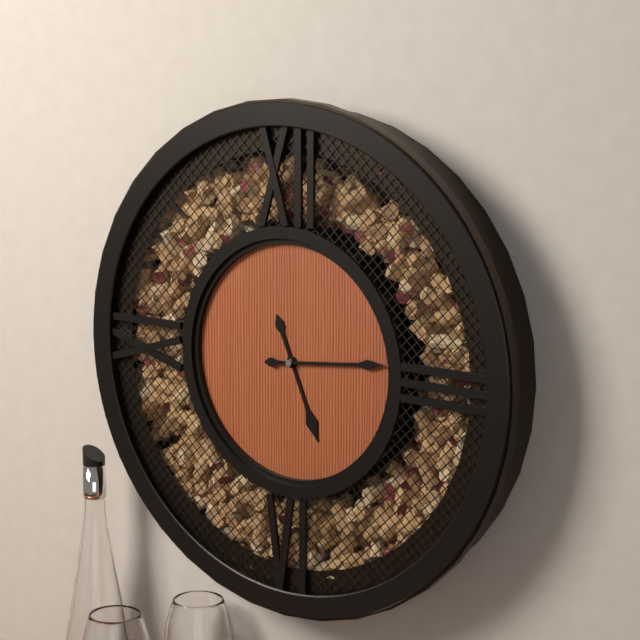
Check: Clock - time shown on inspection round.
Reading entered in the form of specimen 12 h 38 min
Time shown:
5 h 14 min
